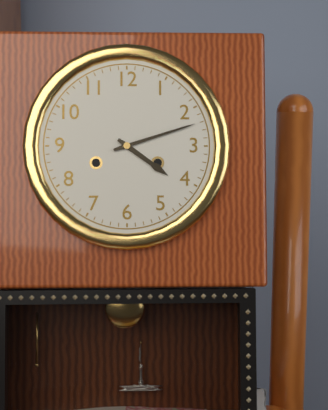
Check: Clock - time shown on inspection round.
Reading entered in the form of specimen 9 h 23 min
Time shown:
4 h 12 min
